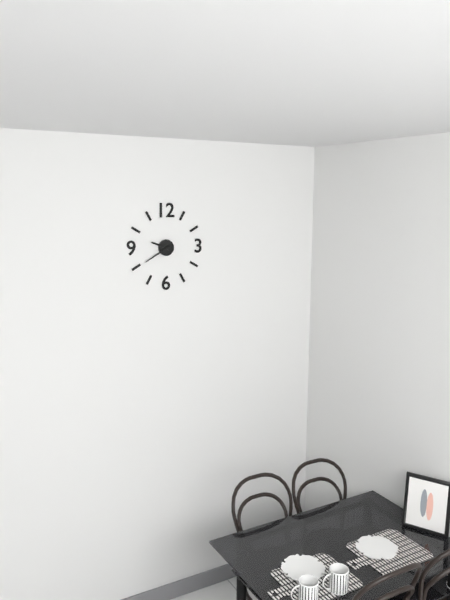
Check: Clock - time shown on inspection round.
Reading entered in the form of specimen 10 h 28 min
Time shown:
9 h 40 min
